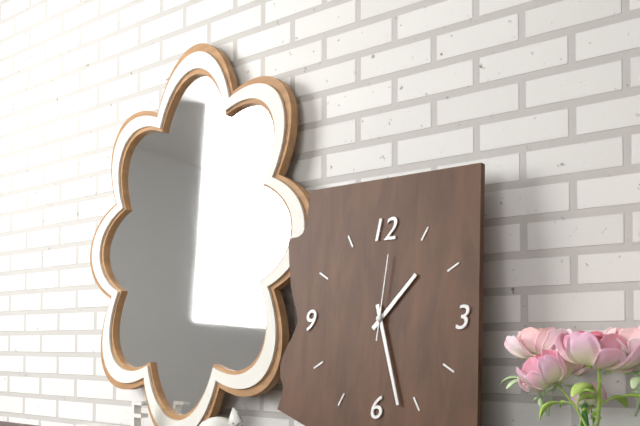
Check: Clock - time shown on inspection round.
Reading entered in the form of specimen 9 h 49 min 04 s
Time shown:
1 h 27 min 01 s
